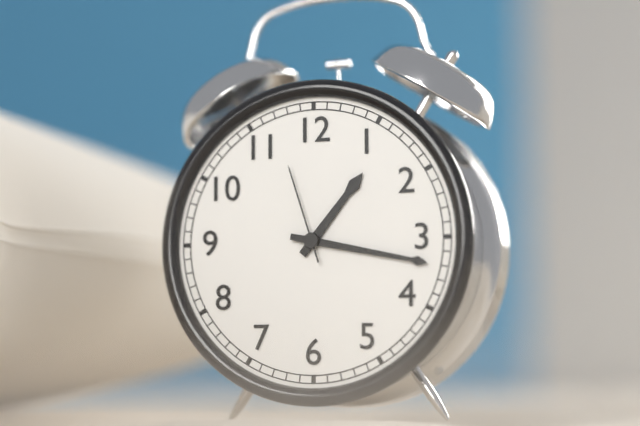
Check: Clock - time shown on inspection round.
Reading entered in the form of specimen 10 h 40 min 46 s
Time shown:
1 h 17 min 57 s
